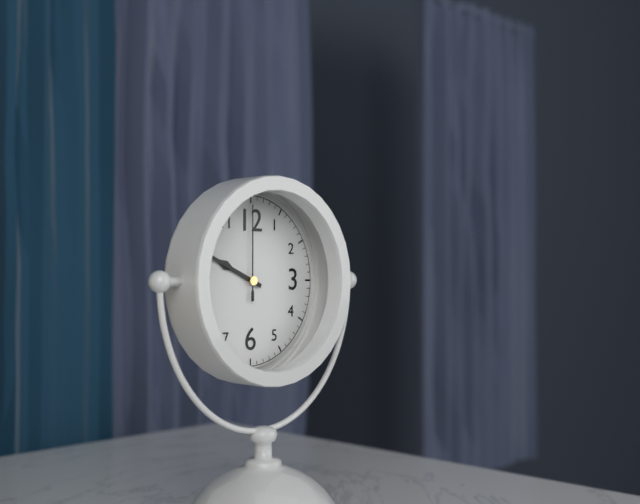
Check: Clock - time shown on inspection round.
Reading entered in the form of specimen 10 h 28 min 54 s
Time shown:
9 h 49 min 00 s
